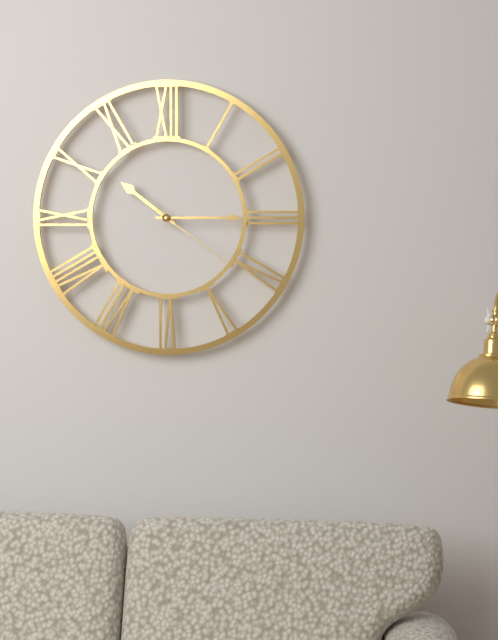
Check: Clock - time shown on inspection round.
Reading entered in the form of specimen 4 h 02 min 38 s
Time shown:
10 h 15 min 21 s
